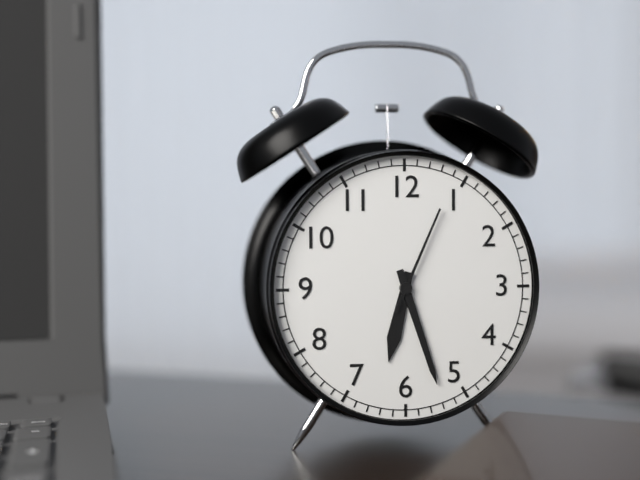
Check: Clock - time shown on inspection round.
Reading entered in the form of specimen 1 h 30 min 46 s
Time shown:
6 h 27 min 04 s
